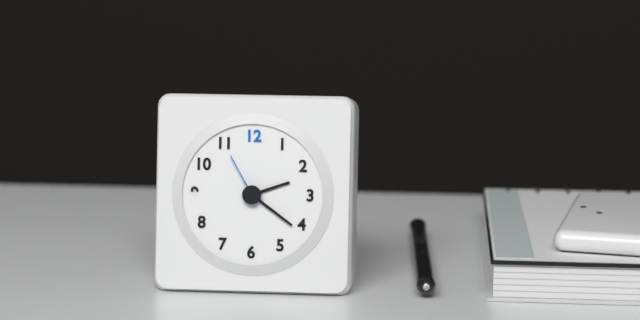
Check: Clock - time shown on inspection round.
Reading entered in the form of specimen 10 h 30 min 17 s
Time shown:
2 h 21 min 55 s
